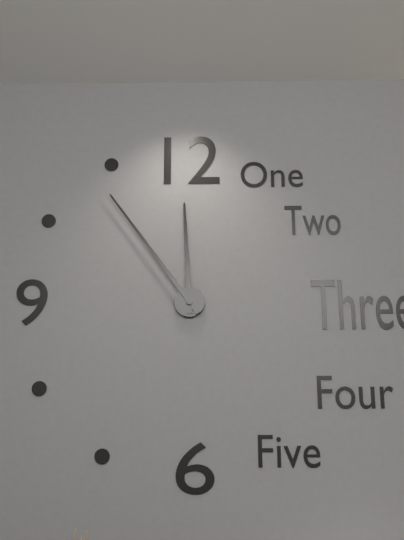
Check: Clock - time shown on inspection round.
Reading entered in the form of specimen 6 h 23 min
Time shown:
11 h 54 min
